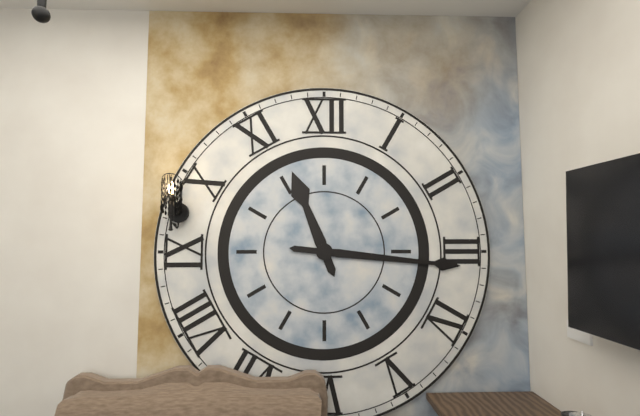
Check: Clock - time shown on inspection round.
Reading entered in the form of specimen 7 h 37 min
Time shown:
11 h 16 min
